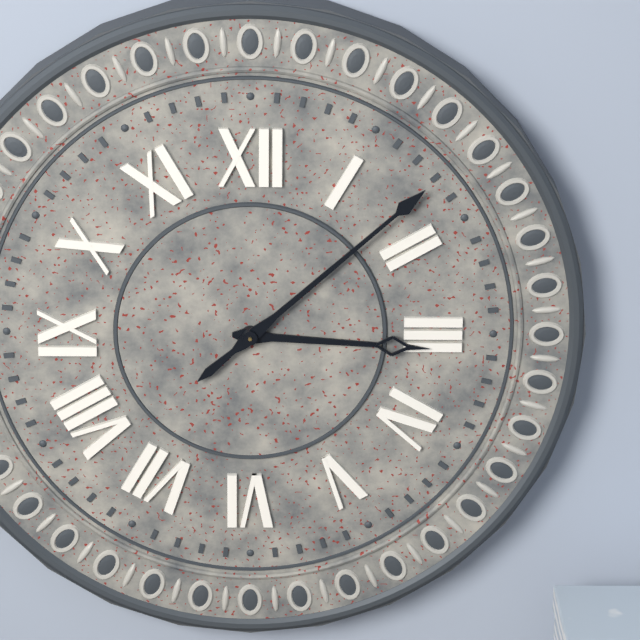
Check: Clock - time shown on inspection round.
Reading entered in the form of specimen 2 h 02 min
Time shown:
3 h 08 min
